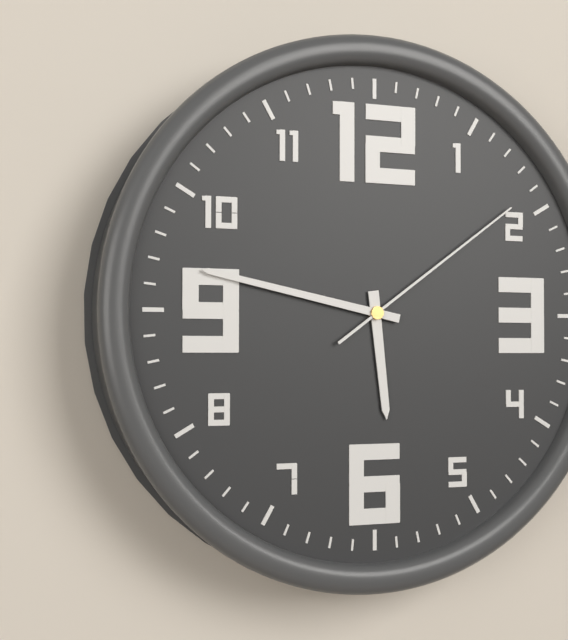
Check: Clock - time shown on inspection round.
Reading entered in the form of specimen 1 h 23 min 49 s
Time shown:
5 h 47 min 09 s
